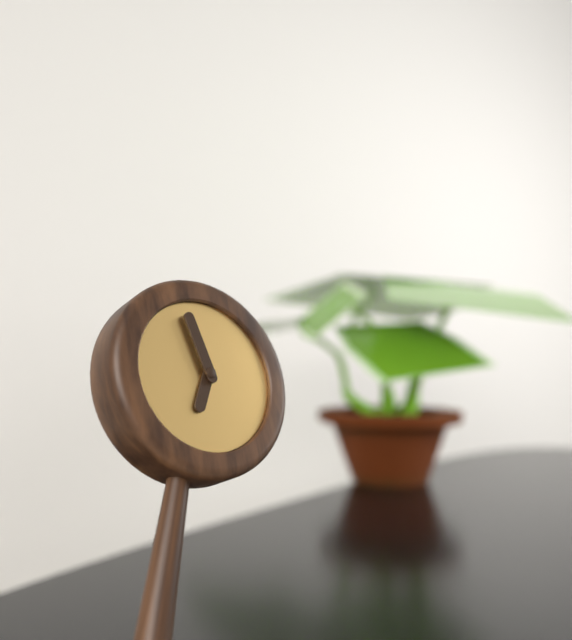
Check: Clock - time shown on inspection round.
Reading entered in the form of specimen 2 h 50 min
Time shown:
6 h 58 min
